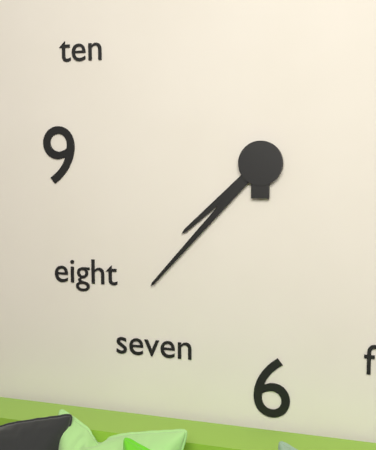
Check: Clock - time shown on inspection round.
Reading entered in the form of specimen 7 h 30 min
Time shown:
7 h 37 min
